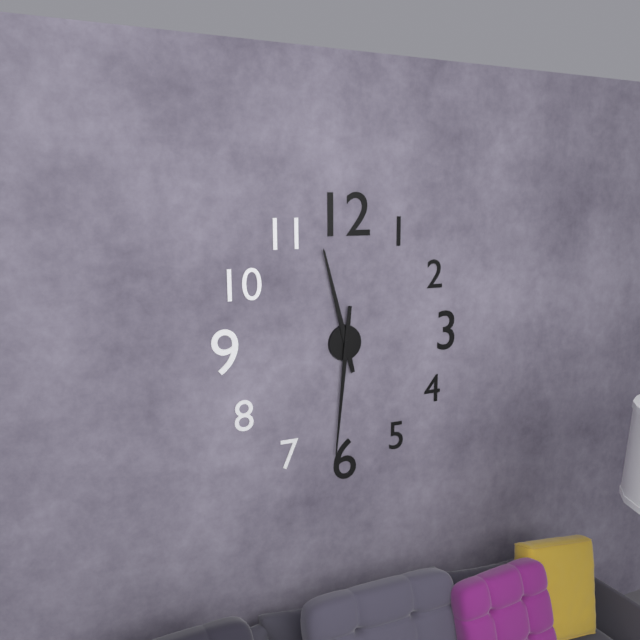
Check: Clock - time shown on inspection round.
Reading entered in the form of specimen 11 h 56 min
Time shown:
11 h 31 min
